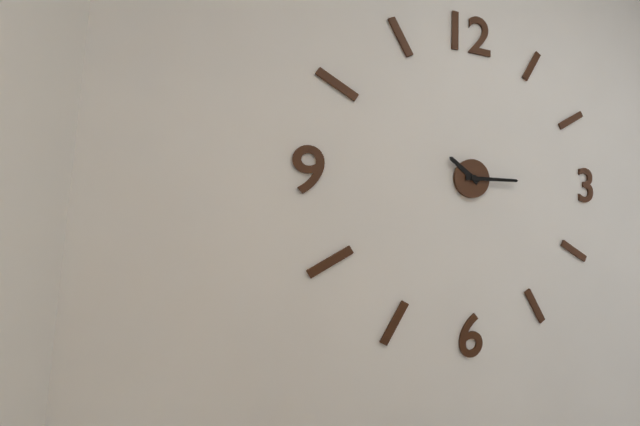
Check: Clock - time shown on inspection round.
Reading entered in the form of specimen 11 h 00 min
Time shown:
10 h 15 min
